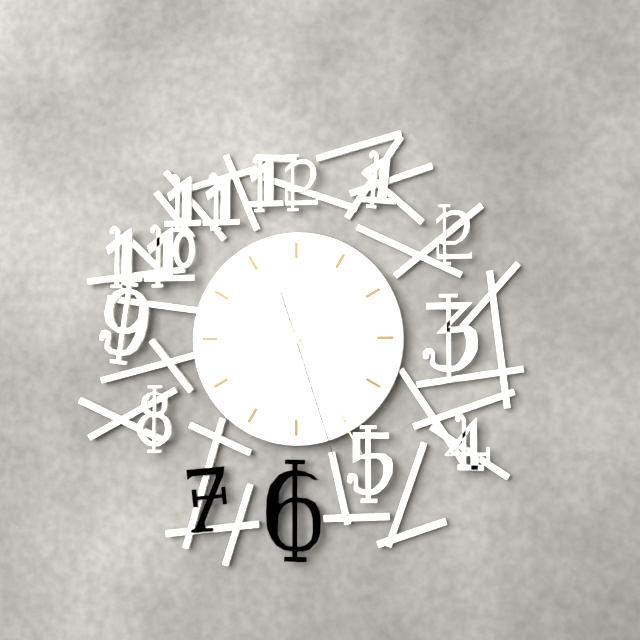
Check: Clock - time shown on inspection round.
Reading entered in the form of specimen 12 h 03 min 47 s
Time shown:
8 h 25 min 27 s
